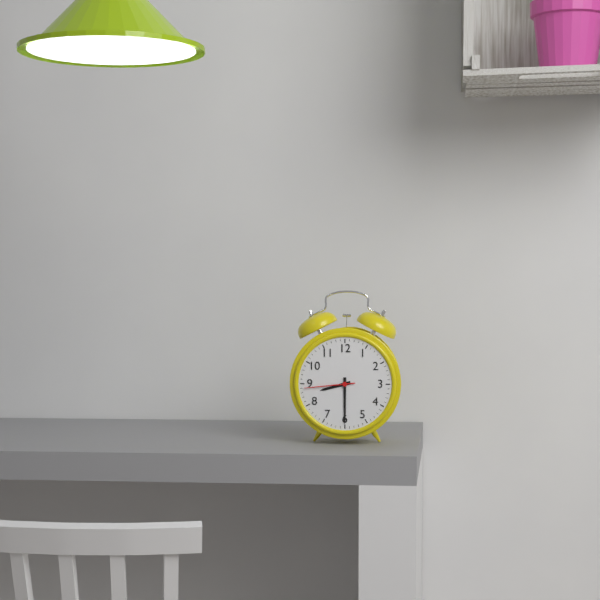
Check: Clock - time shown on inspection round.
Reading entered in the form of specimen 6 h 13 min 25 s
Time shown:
8 h 30 min 44 s
